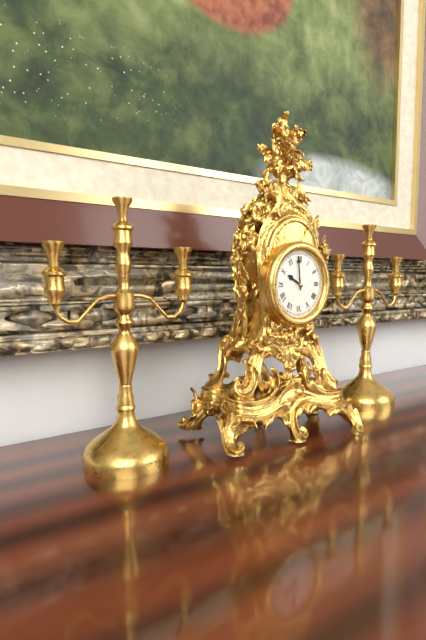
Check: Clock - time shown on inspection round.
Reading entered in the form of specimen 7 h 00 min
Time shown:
9 h 59 min
